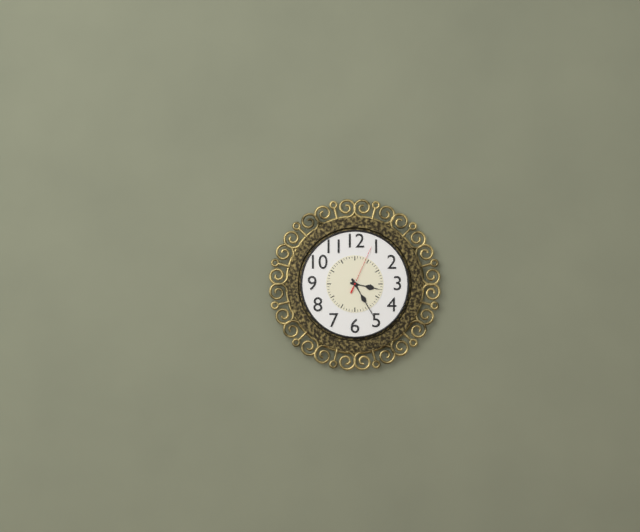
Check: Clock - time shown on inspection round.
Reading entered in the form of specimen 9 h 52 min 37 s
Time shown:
3 h 25 min 04 s
